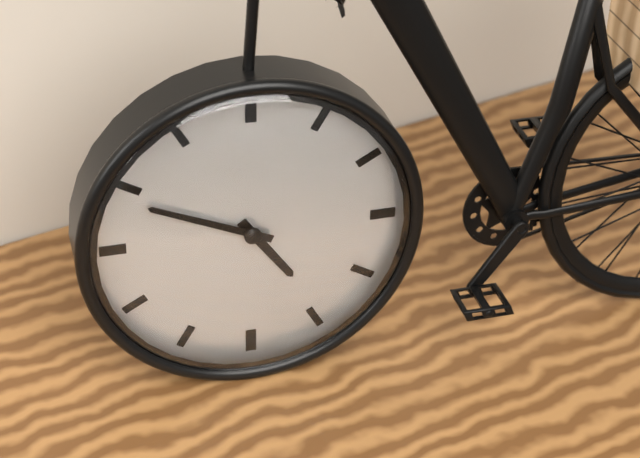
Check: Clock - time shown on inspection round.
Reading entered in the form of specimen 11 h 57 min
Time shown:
4 h 49 min
